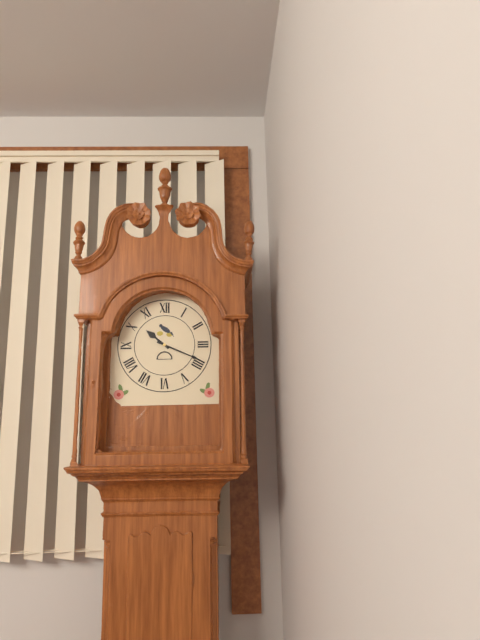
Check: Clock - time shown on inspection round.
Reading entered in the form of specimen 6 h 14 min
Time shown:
10 h 19 min
